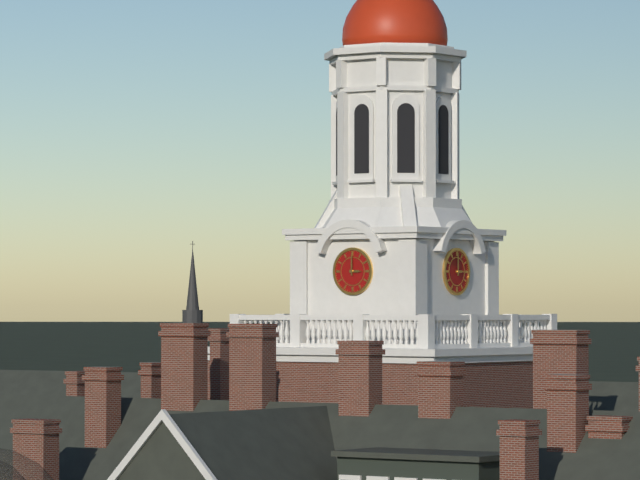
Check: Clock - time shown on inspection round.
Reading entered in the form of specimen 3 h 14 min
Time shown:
3 h 00 min
